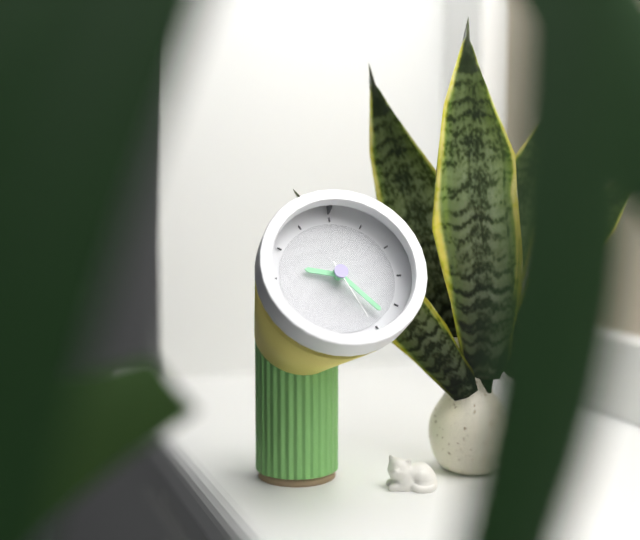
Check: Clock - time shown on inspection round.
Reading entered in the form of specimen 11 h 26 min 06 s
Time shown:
9 h 23 min 26 s
